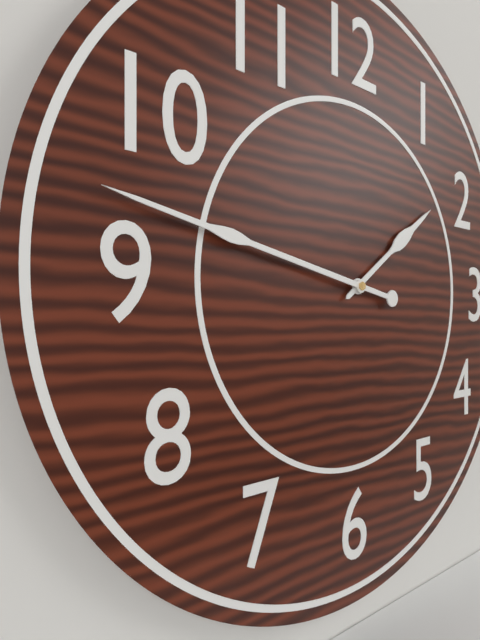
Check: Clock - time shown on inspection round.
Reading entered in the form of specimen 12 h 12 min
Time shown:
1 h 47 min
